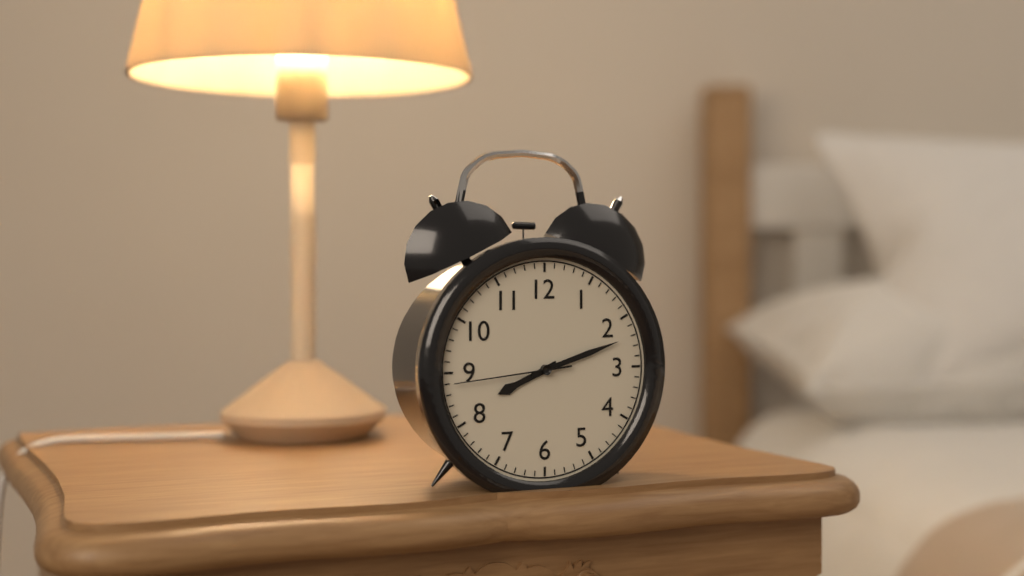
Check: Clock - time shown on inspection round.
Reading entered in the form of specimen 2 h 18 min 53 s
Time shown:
8 h 12 min 44 s
